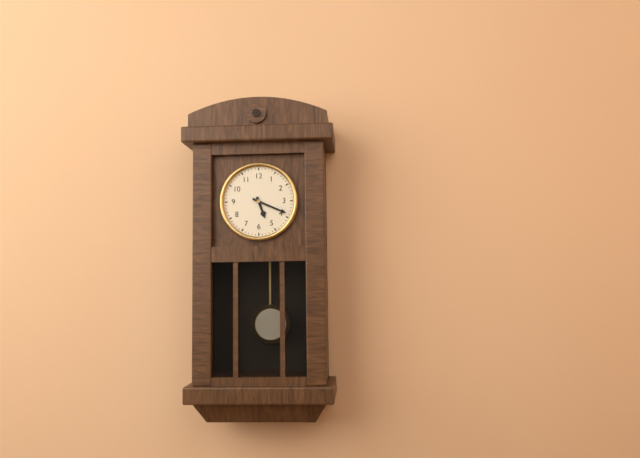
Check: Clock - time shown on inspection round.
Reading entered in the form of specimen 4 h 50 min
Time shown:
5 h 19 min
